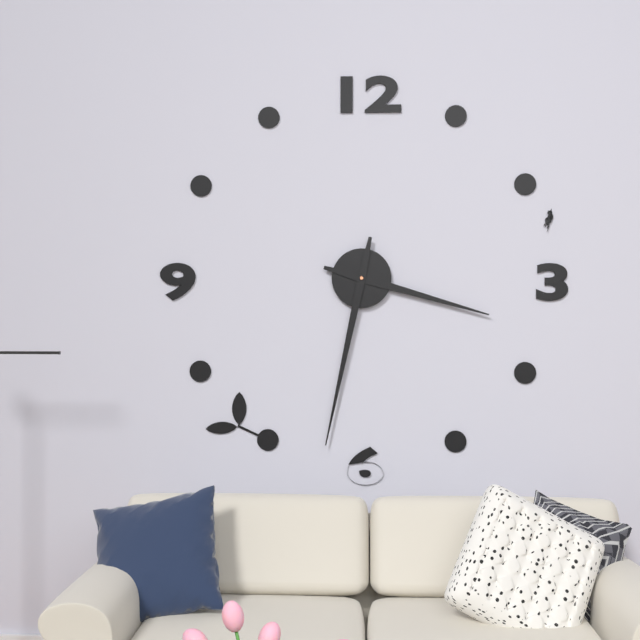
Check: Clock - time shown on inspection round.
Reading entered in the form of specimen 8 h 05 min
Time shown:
3 h 32 min
